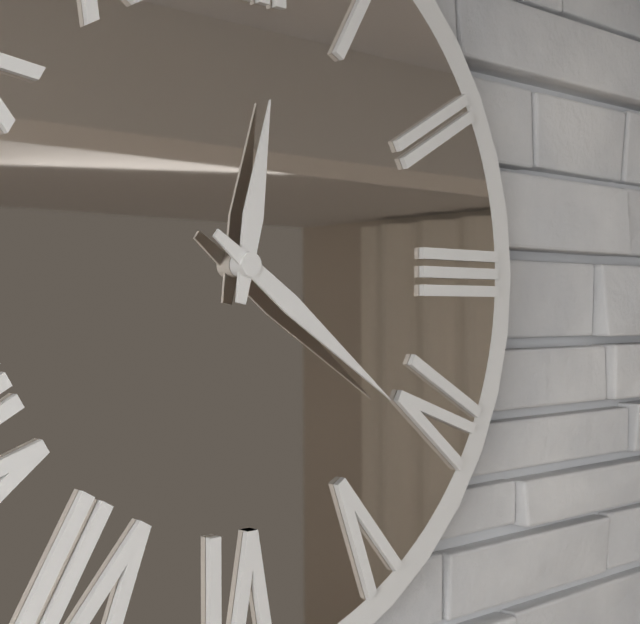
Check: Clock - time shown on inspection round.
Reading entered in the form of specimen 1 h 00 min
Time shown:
12 h 21 min
